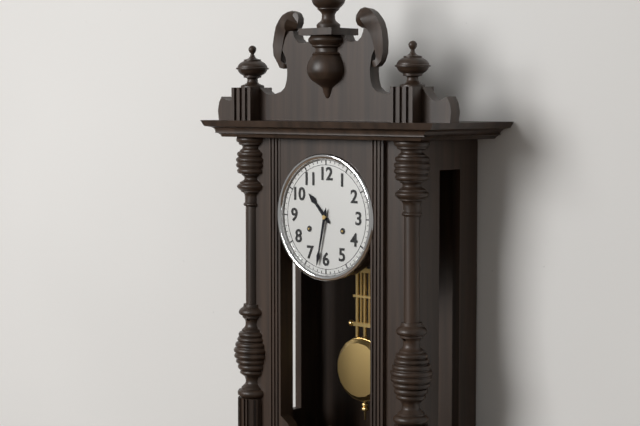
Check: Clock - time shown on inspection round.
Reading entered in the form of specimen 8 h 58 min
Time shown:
10 h 32 min
